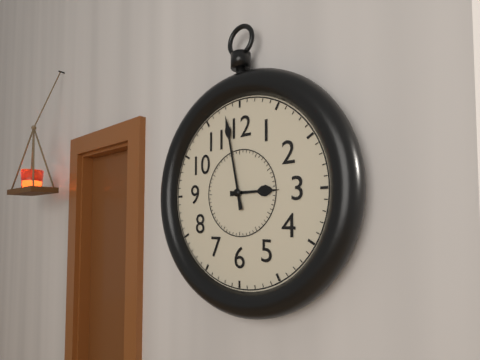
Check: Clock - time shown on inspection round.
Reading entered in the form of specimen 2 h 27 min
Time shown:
2 h 58 min
